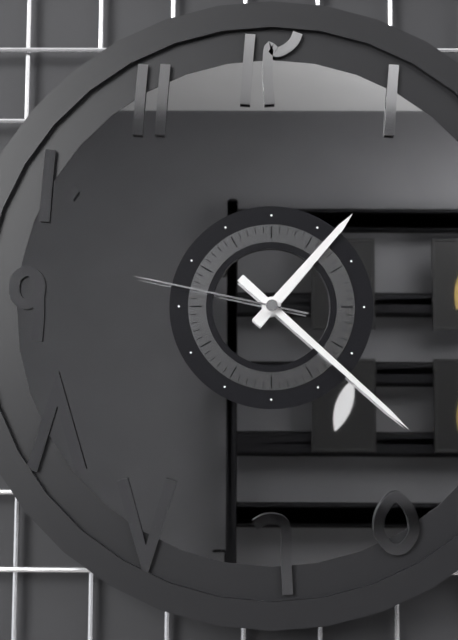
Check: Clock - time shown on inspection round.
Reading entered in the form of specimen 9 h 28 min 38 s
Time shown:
1 h 22 min 47 s
